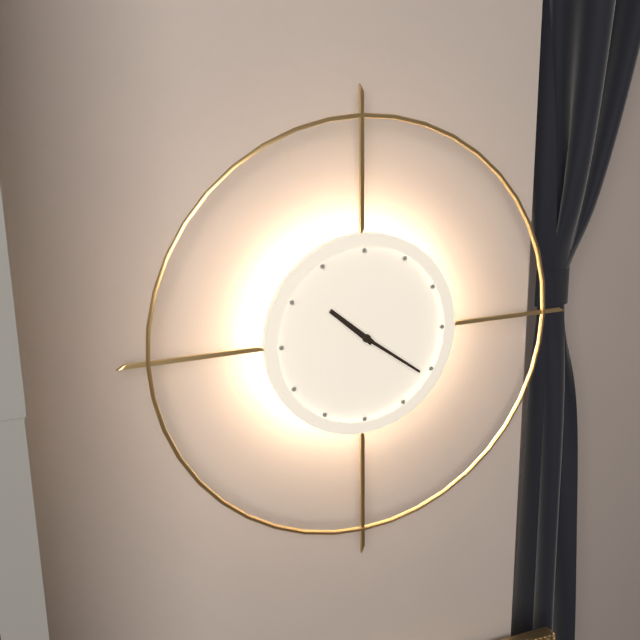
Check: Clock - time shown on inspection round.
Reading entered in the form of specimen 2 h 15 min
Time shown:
10 h 21 min
